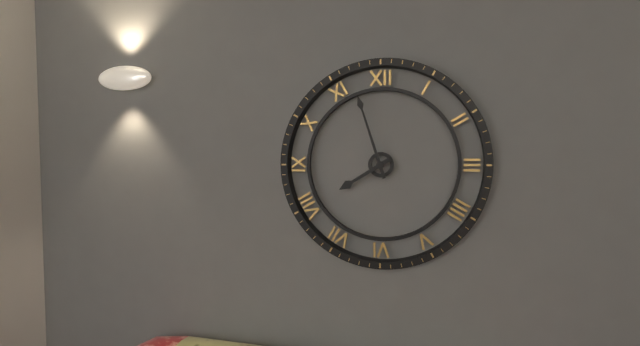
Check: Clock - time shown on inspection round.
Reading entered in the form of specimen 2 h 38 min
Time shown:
7 h 57 min
